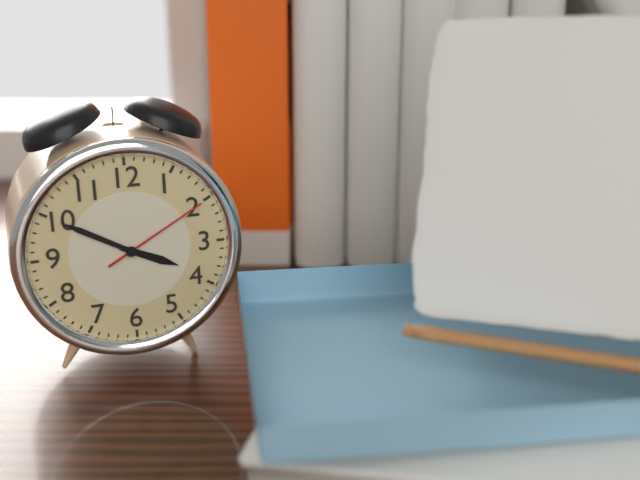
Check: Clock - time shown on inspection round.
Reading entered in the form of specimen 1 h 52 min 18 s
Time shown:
3 h 50 min 10 s
